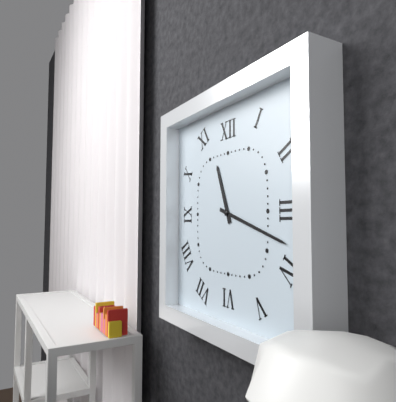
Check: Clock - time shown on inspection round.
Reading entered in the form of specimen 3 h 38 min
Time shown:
11 h 18 min
